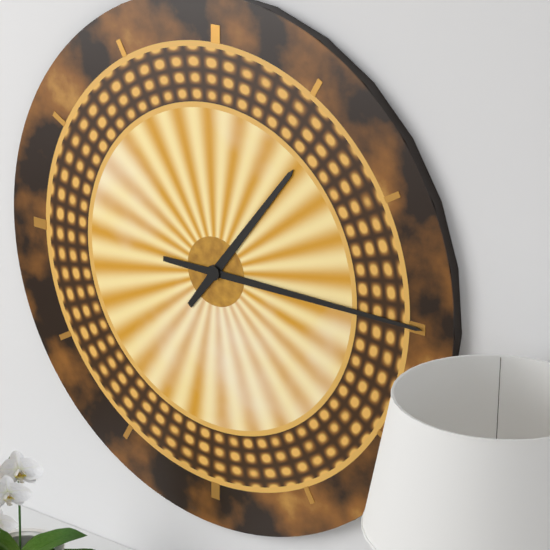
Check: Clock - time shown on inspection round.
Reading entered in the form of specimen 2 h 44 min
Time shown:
1 h 15 min
